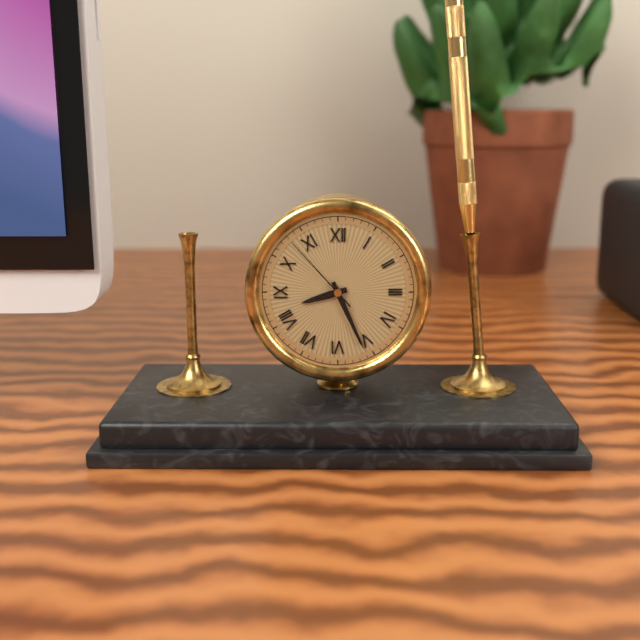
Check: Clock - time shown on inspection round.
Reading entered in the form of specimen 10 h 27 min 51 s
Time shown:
8 h 26 min 53 s
